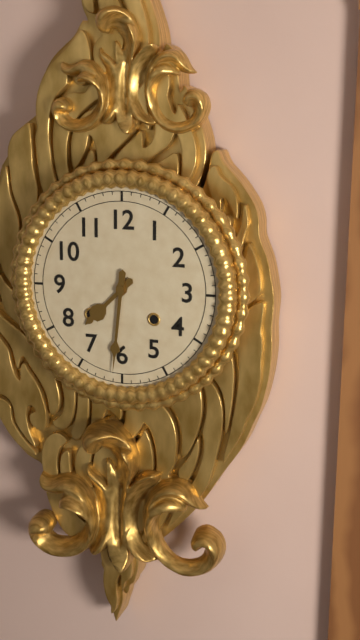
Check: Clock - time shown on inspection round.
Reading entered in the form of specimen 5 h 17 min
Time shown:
7 h 31 min
